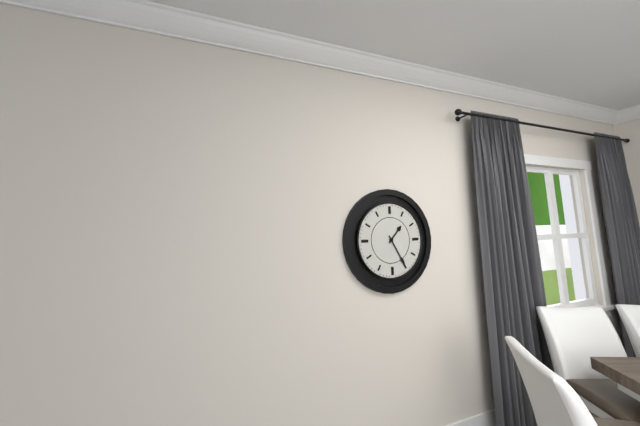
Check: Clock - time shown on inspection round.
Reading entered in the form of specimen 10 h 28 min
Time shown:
1 h 25 min
